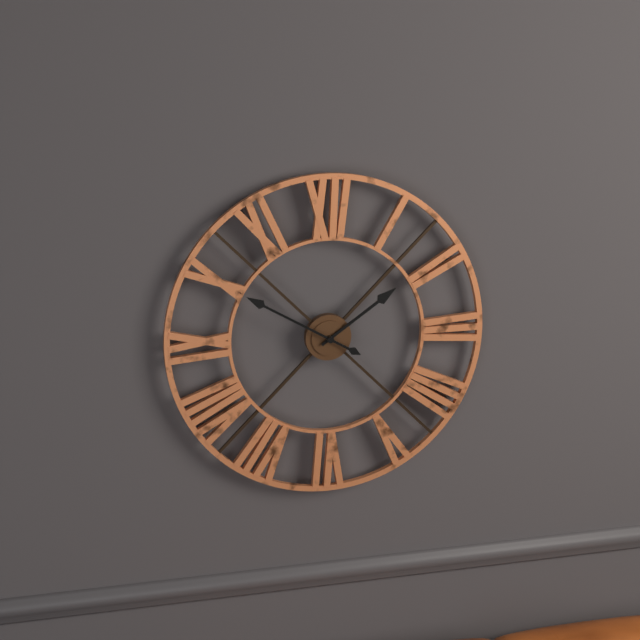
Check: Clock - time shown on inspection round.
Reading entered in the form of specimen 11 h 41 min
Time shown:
1 h 50 min
